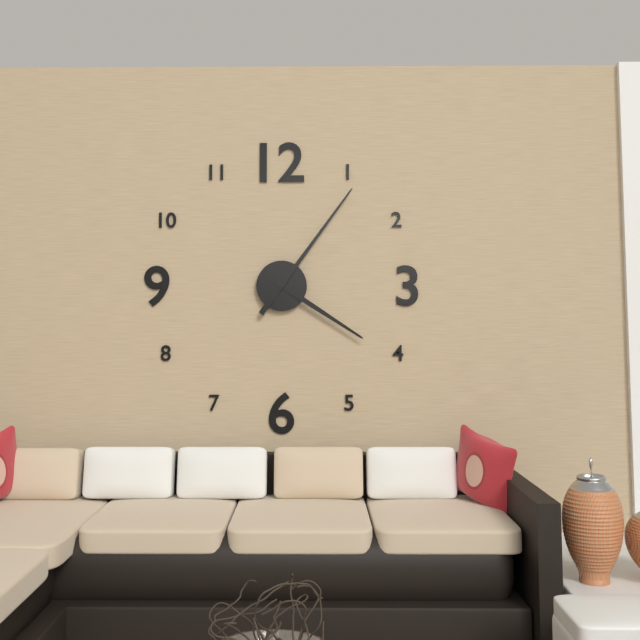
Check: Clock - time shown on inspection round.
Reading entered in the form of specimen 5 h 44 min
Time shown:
4 h 06 min
